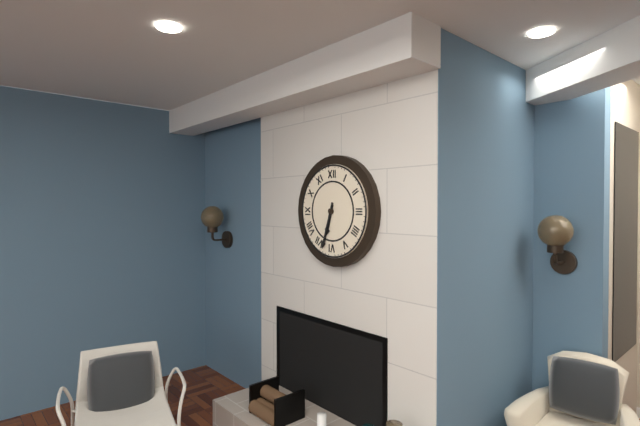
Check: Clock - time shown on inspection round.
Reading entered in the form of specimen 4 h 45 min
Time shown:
6 h 33 min
